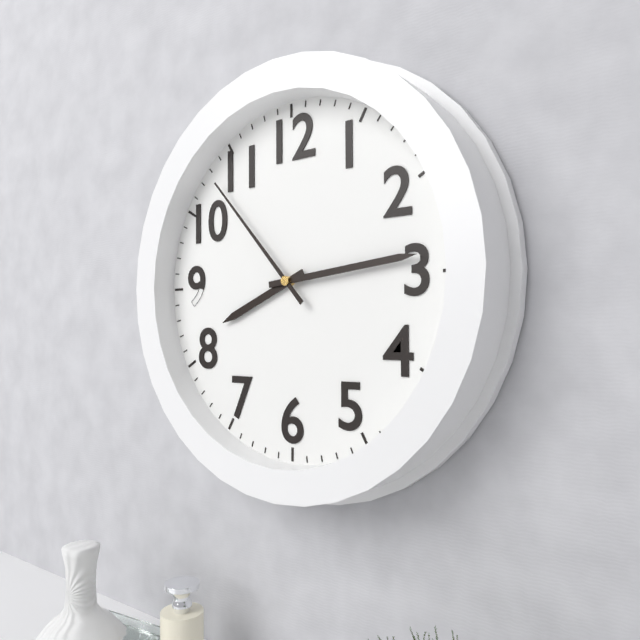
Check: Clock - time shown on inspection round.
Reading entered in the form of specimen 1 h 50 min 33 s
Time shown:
8 h 14 min 53 s
